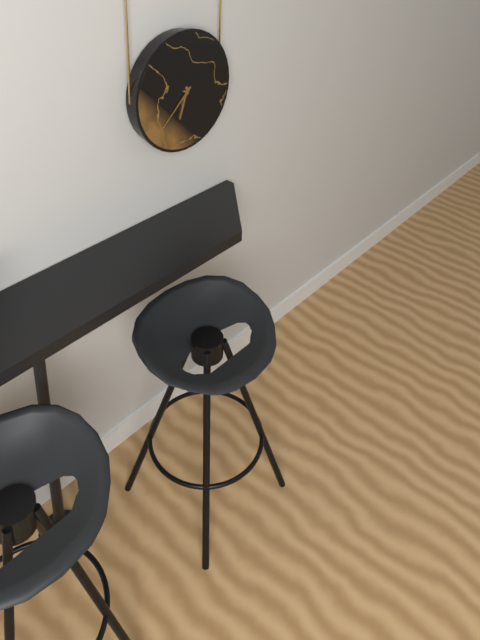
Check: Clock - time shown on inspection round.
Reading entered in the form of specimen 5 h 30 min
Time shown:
6 h 38 min
